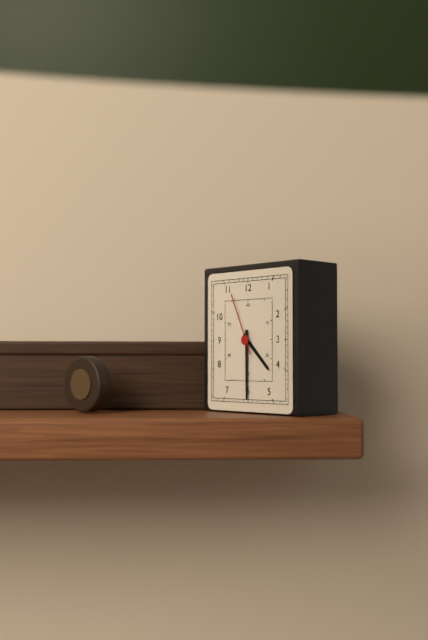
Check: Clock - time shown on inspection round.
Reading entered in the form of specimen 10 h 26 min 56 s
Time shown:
4 h 30 min 56 s
